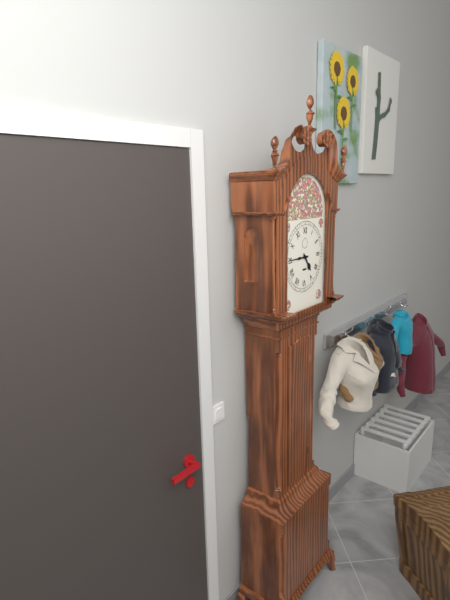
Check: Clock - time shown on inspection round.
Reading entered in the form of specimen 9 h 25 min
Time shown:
4 h 45 min
